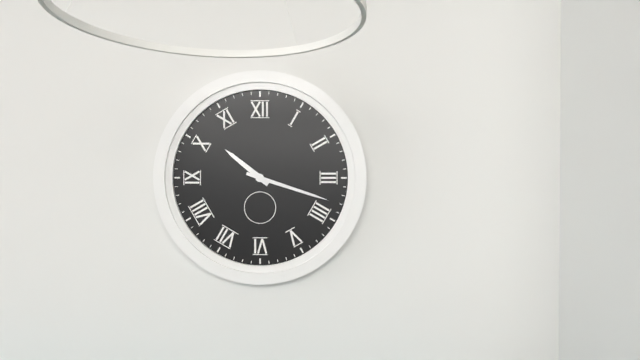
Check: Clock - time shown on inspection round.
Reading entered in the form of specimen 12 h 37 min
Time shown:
10 h 18 min
